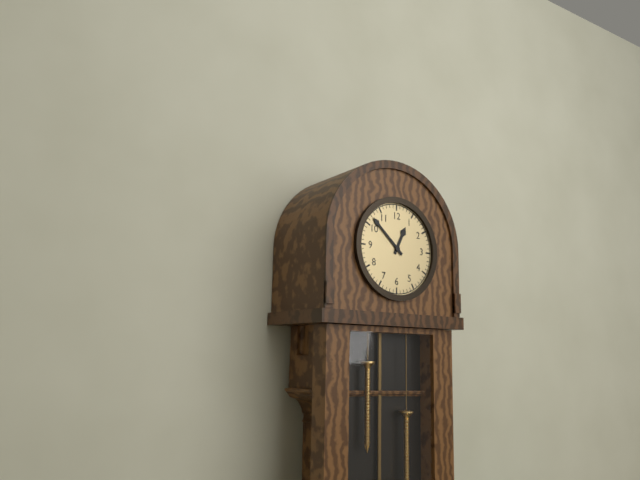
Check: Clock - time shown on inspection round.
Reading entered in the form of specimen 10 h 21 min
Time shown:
12 h 52 min
